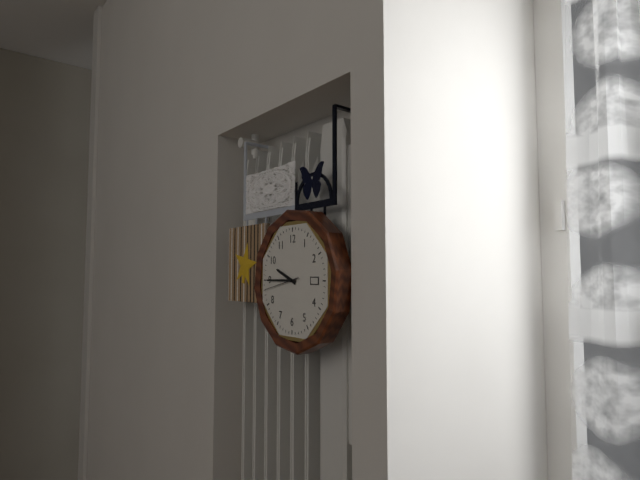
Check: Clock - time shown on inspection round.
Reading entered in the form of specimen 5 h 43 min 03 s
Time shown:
9 h 45 min 43 s
